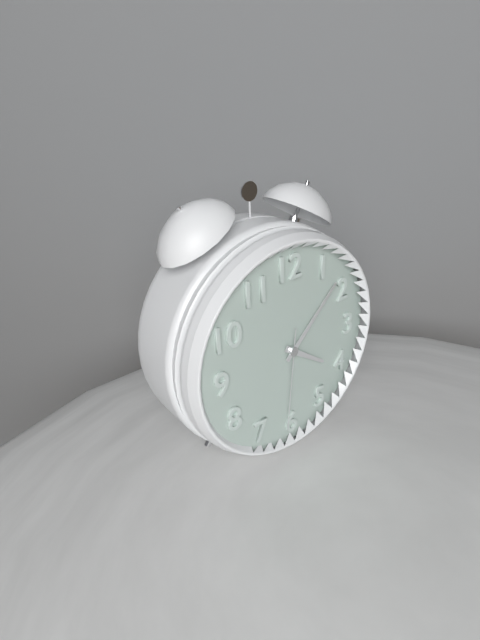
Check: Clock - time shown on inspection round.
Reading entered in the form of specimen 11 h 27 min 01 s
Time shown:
4 h 08 min 31 s
